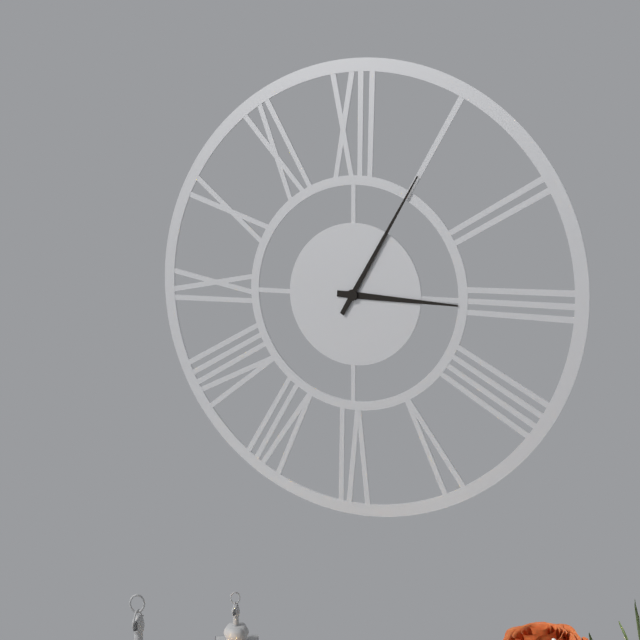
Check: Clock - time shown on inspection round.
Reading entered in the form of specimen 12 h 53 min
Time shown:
3 h 05 min
